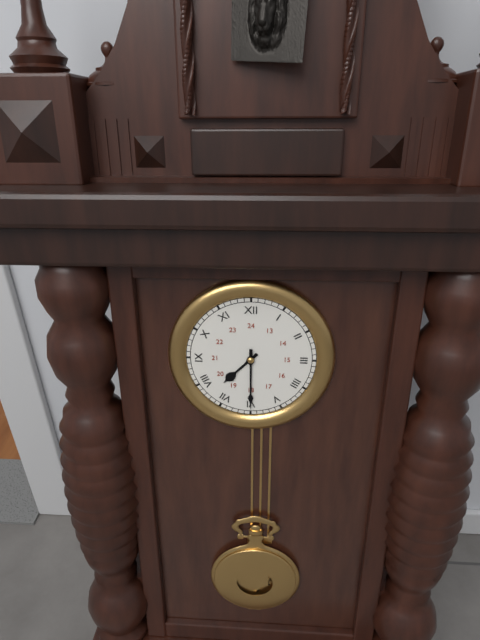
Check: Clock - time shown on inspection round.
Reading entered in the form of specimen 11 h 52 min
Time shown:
7 h 30 min
